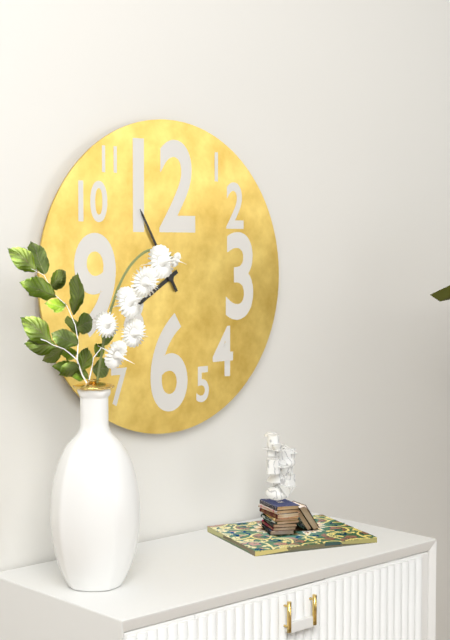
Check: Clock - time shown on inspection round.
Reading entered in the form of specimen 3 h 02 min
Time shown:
7 h 55 min
